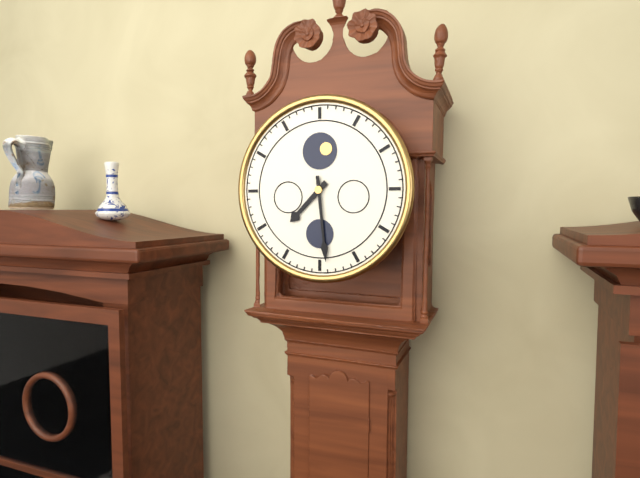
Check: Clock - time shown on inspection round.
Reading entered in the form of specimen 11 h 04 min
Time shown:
7 h 29 min
